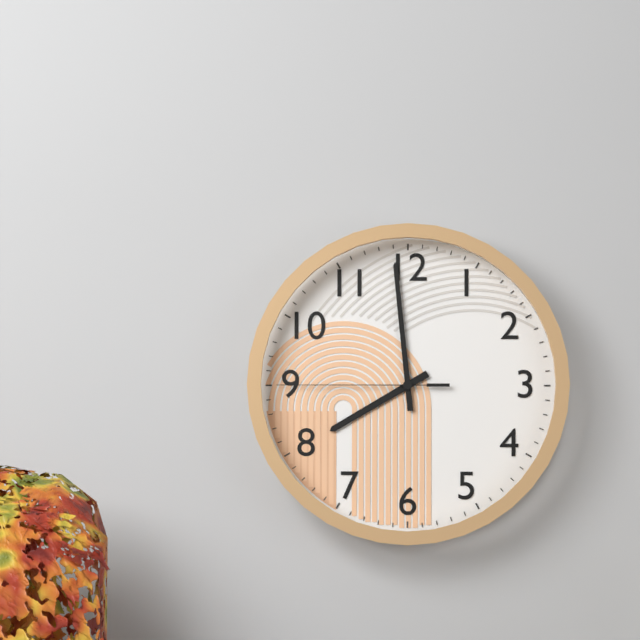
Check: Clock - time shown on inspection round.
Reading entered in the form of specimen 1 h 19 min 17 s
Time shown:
7 h 59 min 45 s
